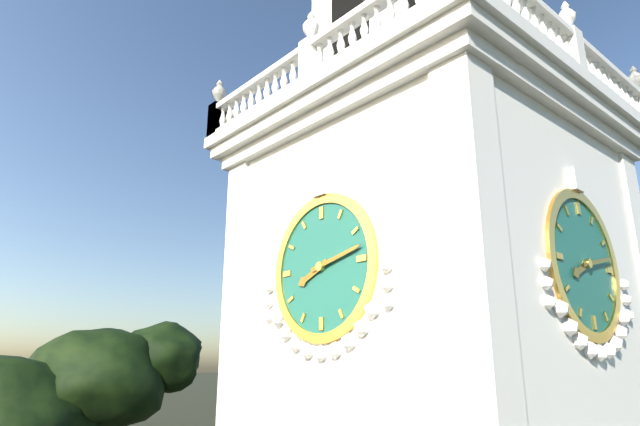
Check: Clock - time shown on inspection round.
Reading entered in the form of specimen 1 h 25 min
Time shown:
8 h 13 min
